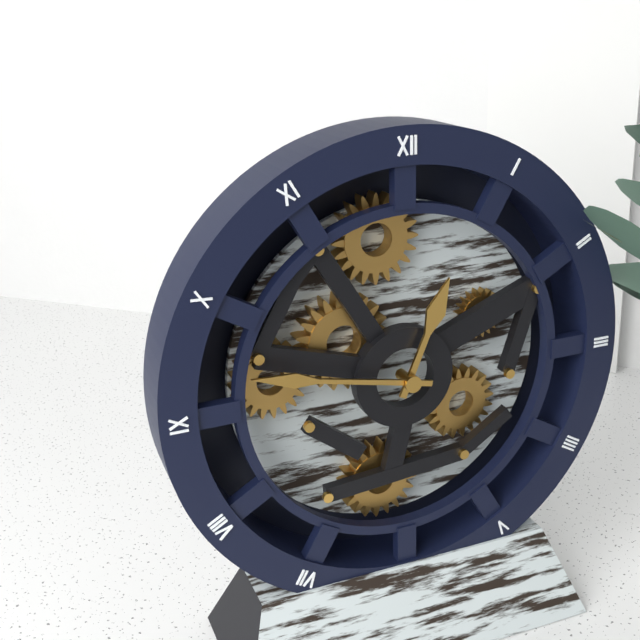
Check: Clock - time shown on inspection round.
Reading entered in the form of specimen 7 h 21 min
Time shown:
12 h 47 min
